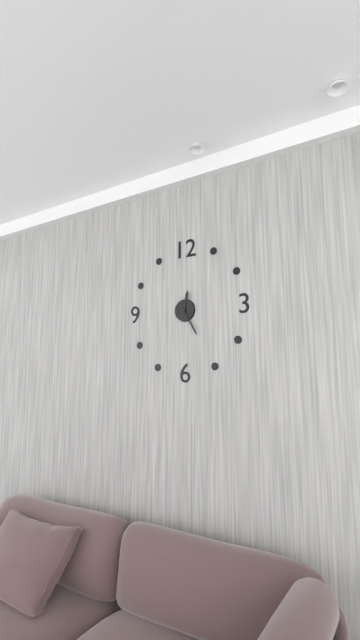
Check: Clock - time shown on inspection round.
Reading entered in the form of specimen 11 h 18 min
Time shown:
12 h 25 min
